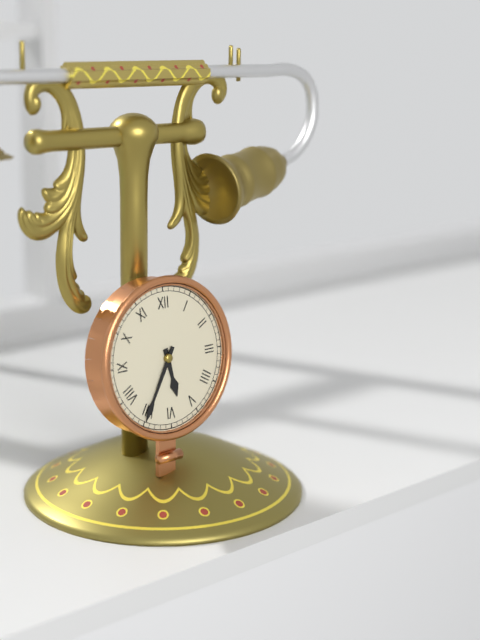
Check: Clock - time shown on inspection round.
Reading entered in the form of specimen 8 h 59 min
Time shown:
5 h 35 min
